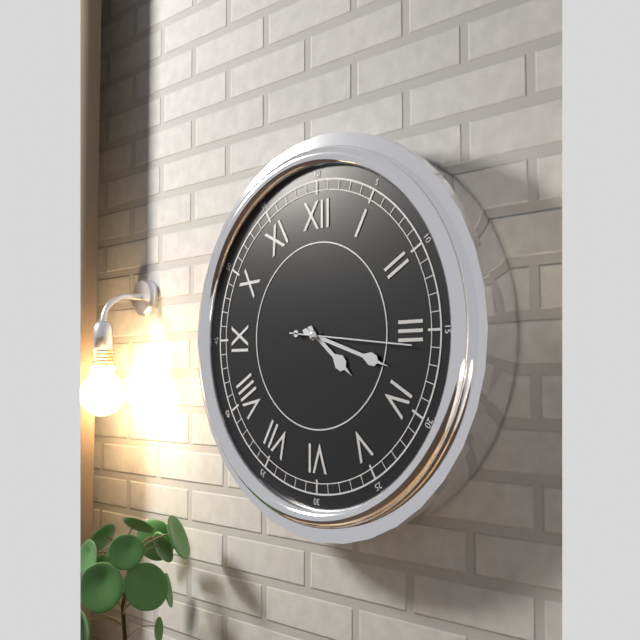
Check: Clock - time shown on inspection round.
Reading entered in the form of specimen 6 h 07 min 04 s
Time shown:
4 h 18 min 16 s
